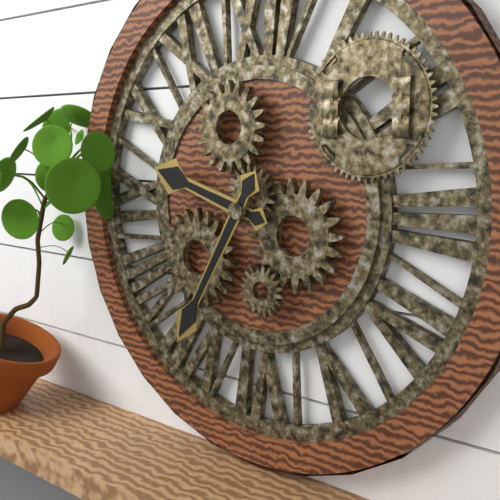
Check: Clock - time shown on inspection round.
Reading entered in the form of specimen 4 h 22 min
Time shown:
9 h 35 min
